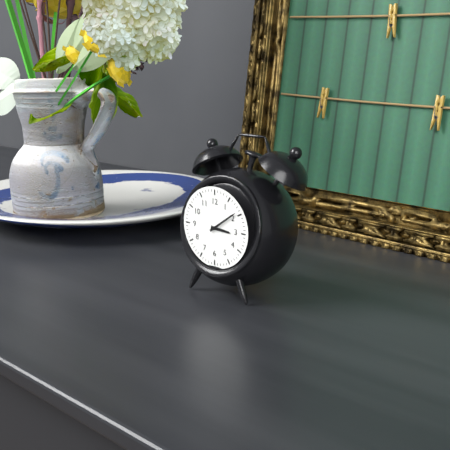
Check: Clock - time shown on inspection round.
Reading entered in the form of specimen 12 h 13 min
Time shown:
3 h 09 min
